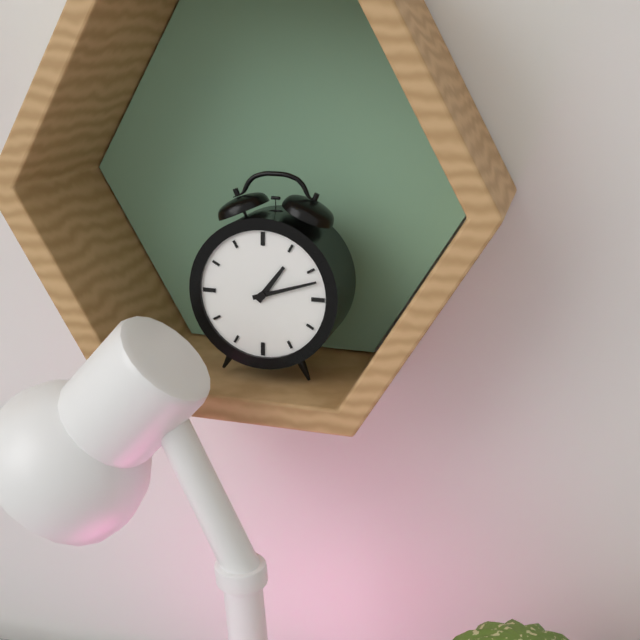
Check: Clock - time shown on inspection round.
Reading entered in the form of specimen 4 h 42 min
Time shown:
1 h 12 min
